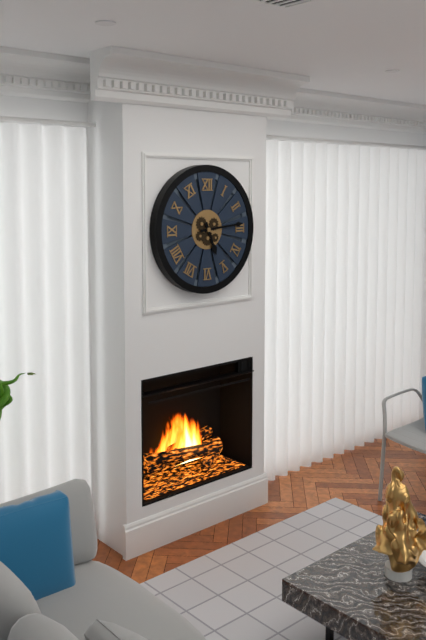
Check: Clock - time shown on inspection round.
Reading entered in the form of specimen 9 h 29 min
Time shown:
5 h 14 min
